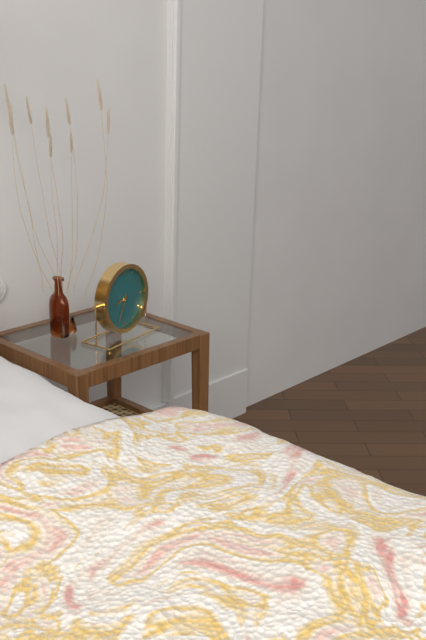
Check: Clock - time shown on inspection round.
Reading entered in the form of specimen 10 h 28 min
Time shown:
8 h 34 min
